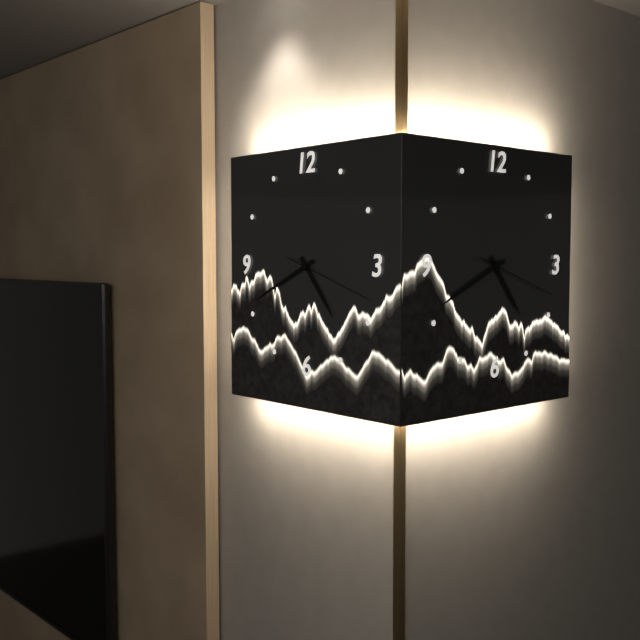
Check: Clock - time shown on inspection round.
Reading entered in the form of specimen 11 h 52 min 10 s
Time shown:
4 h 41 min 18 s
